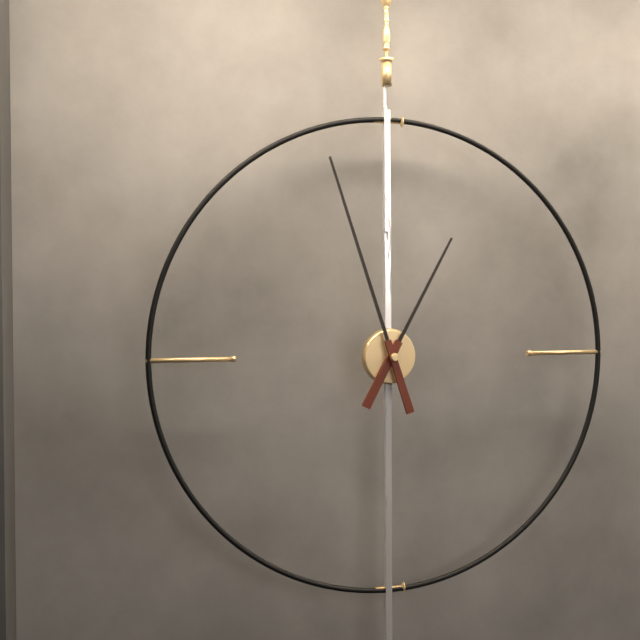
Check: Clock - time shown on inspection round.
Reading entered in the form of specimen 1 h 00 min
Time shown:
12 h 57 min
